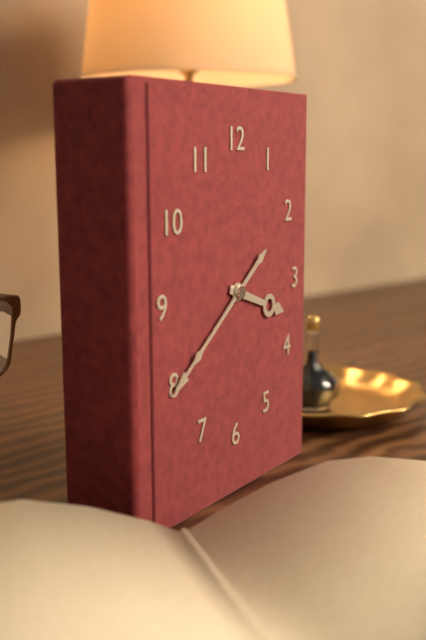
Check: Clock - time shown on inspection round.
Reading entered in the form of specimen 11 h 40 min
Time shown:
3 h 39 min
